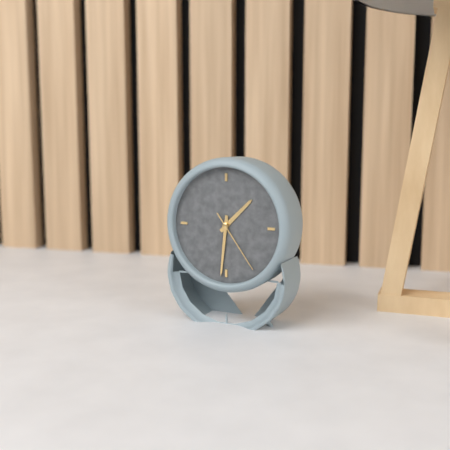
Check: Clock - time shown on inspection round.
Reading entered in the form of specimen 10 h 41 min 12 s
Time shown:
1 h 31 min 24 s
